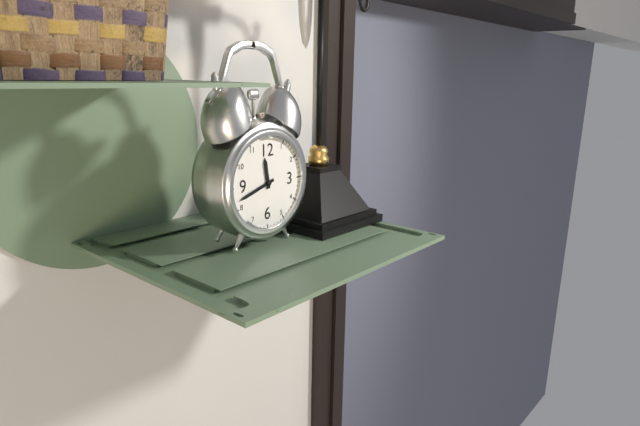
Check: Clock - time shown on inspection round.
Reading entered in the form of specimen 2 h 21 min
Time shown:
11 h 42 min
